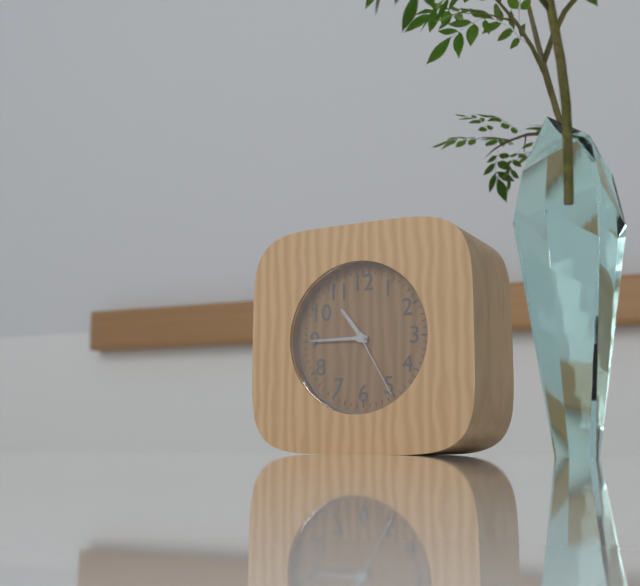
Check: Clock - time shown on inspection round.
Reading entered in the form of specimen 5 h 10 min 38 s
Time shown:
10 h 45 min 25 s
